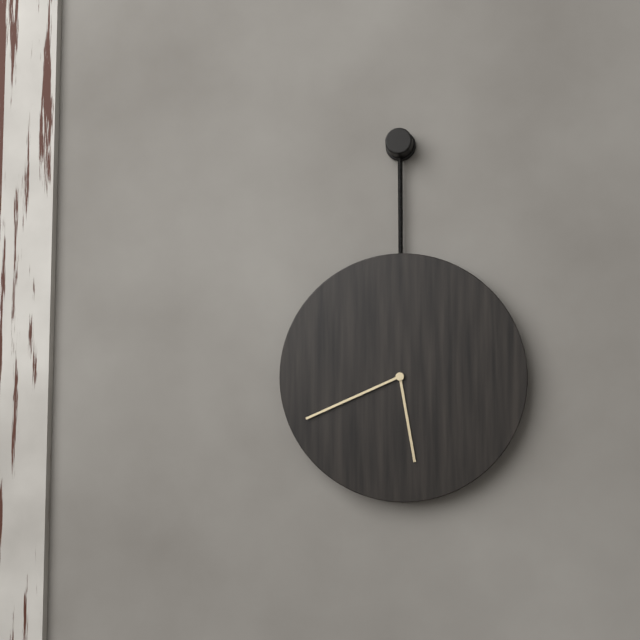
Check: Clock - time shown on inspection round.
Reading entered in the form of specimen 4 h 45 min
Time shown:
5 h 41 min
